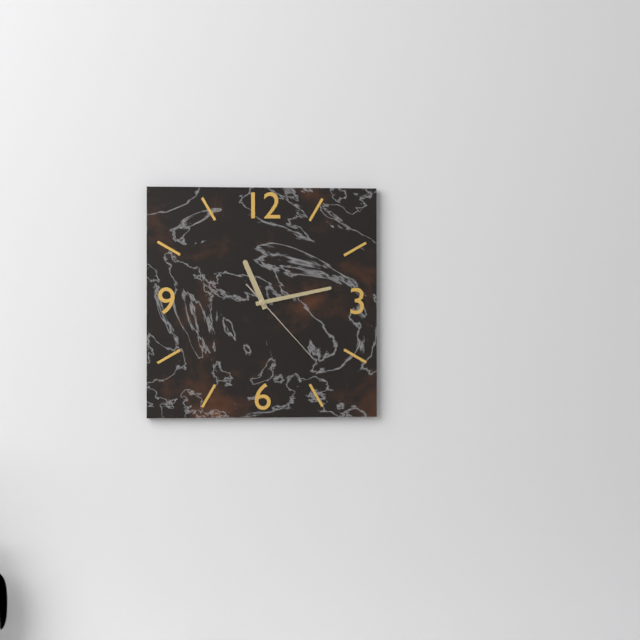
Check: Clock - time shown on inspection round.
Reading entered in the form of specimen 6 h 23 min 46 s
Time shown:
11 h 13 min 23 s
